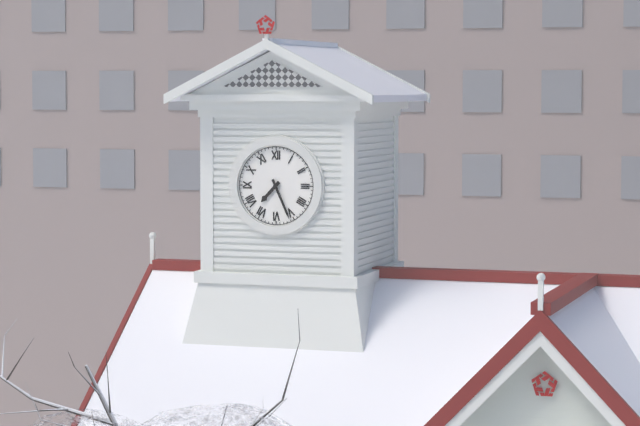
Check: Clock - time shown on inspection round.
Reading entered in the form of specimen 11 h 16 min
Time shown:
7 h 26 min
